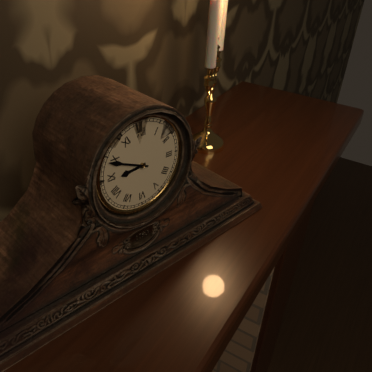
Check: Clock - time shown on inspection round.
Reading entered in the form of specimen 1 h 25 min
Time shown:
8 h 49 min
